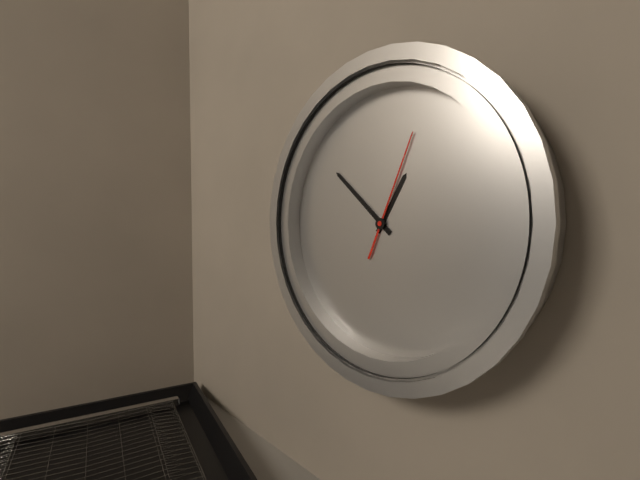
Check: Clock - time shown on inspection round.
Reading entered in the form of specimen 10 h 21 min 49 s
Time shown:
12 h 51 min 03 s
